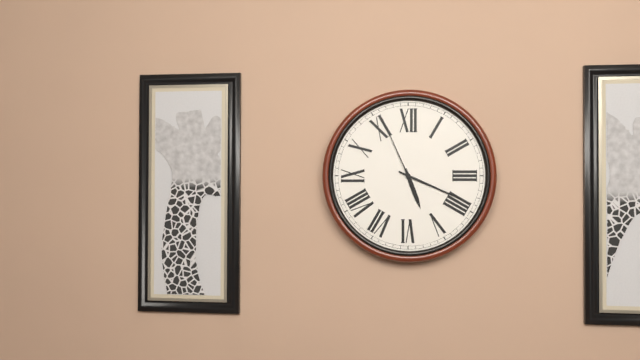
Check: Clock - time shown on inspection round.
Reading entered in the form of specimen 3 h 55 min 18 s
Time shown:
5 h 19 min 56 s
